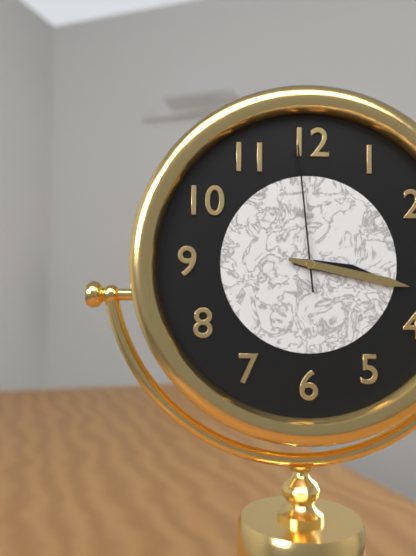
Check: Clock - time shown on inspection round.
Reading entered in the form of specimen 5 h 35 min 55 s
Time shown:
3 h 17 min 59 s
